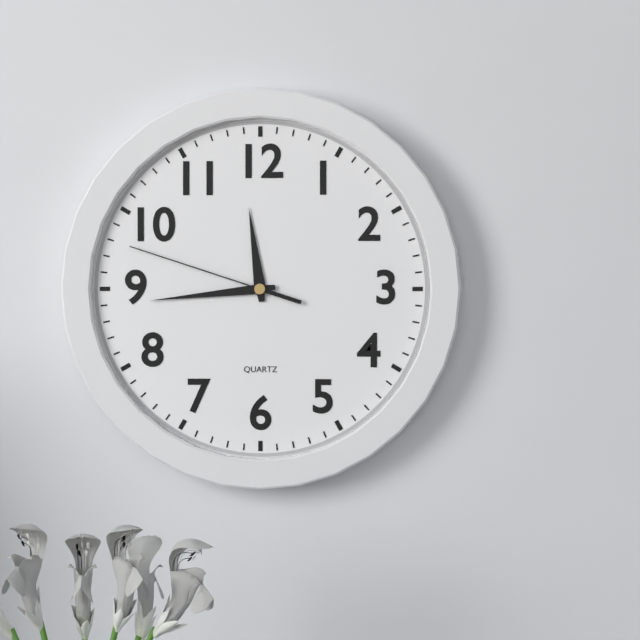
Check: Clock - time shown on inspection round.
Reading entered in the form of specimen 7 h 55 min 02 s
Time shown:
11 h 44 min 48 s
